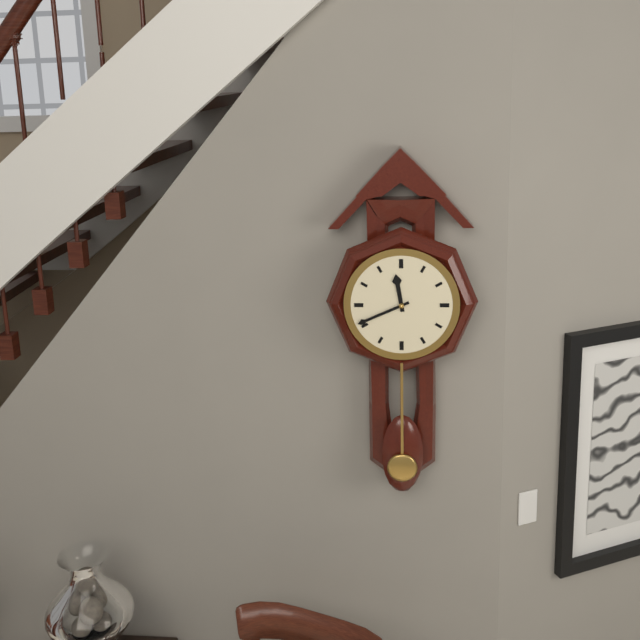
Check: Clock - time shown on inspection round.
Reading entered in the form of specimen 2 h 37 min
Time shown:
11 h 41 min
